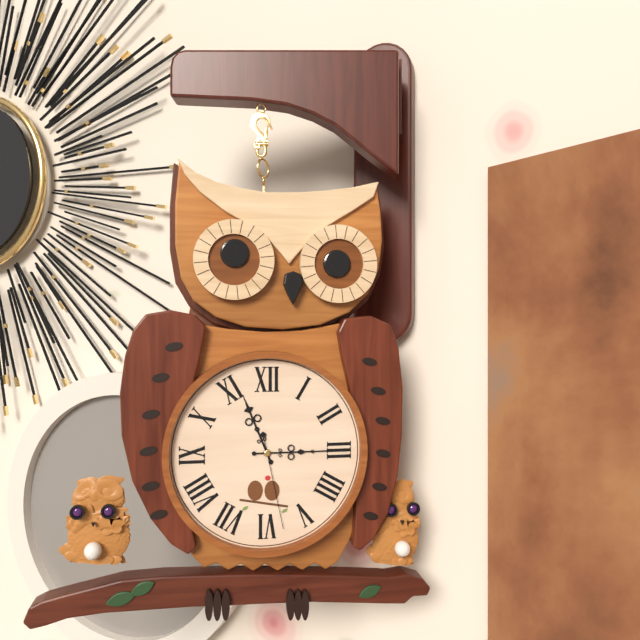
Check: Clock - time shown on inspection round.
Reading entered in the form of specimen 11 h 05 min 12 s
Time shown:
11 h 15 min 28 s
